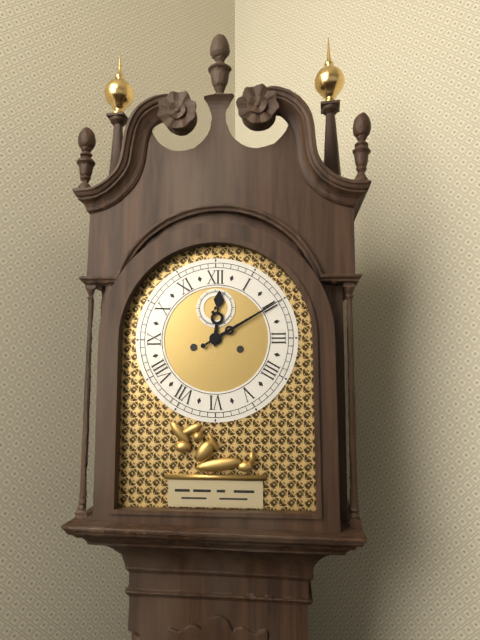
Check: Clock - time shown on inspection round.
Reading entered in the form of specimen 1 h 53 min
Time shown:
12 h 10 min
